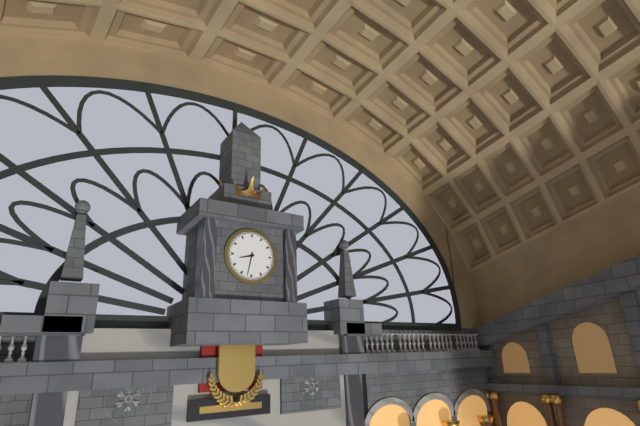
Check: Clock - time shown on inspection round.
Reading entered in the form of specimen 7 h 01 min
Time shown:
8 h 32 min
